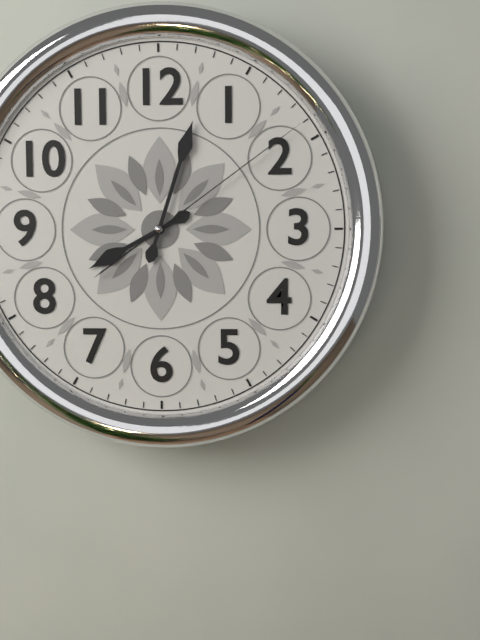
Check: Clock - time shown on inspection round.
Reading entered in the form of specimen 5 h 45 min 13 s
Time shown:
8 h 03 min 09 s
